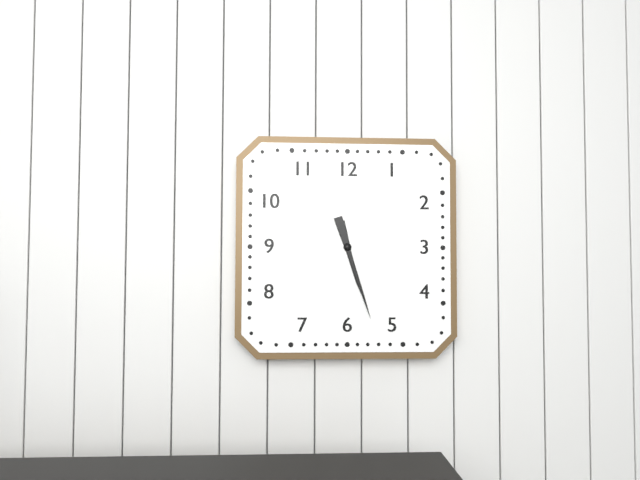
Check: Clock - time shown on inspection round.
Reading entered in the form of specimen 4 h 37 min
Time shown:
5 h 27 min
